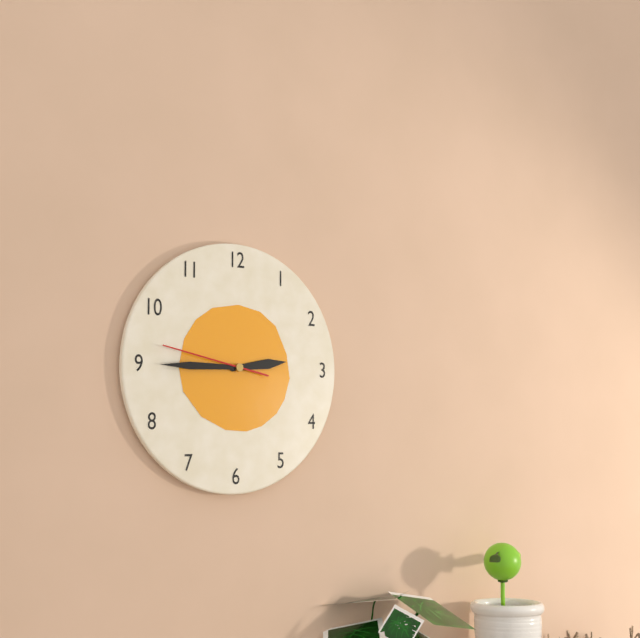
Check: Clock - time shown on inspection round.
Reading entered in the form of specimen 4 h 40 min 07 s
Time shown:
2 h 45 min 47 s
